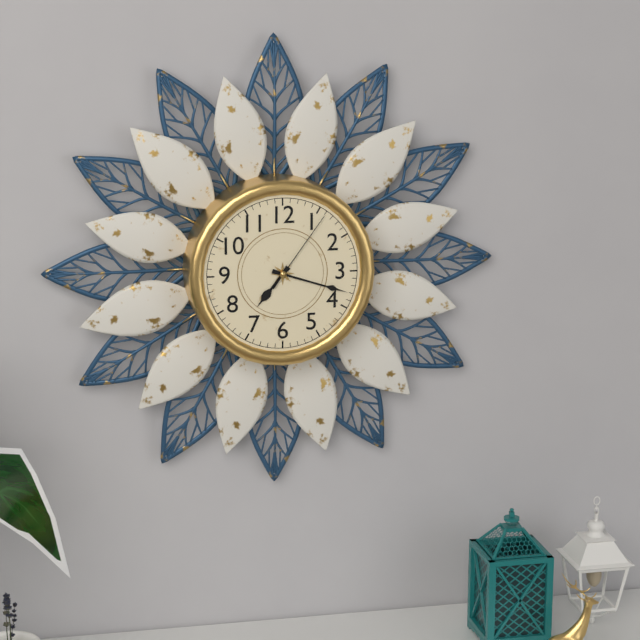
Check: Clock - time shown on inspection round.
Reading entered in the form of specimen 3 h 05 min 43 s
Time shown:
7 h 18 min 06 s
